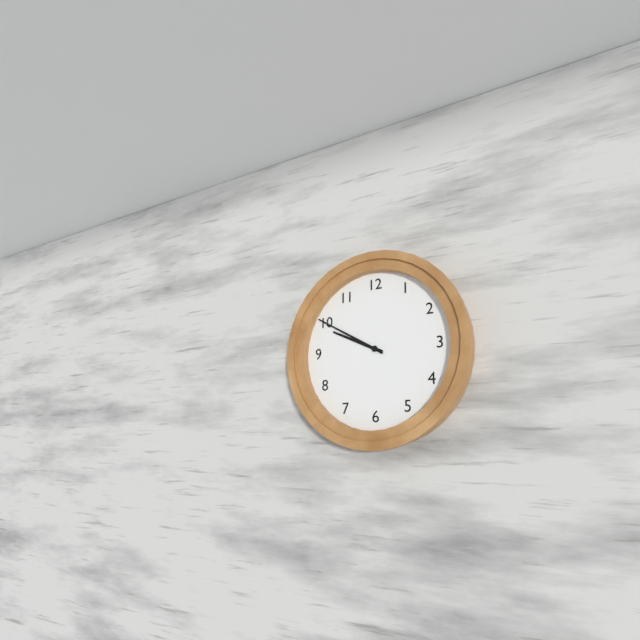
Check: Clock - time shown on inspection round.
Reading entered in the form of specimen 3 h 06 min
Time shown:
9 h 50 min
